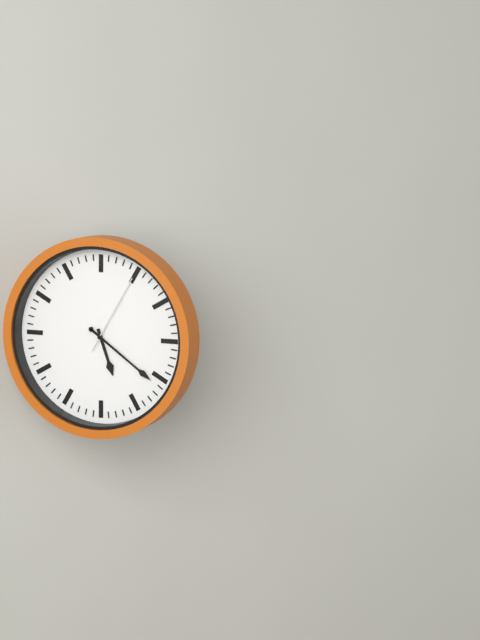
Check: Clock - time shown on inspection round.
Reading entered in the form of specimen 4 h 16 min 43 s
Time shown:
5 h 21 min 05 s
